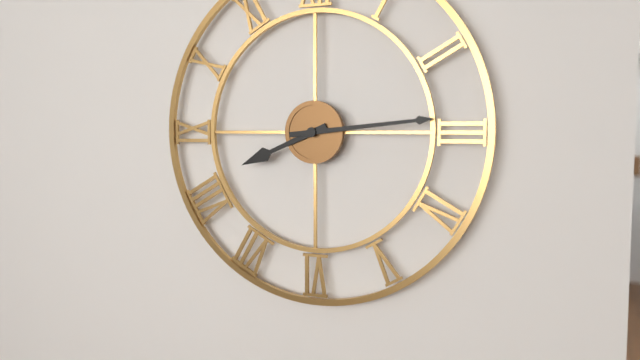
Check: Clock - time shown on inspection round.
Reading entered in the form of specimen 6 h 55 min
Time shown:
8 h 14 min
